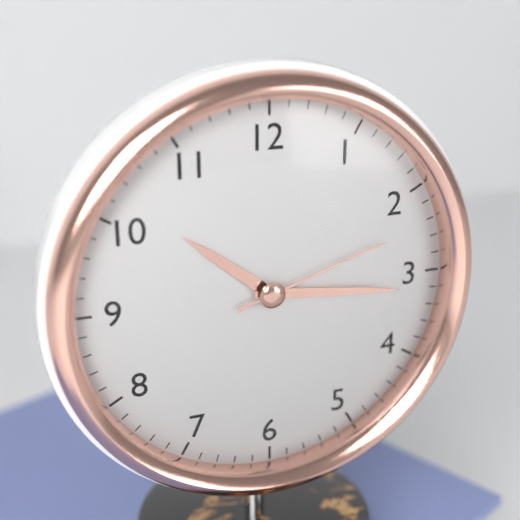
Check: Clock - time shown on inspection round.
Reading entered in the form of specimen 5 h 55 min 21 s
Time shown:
10 h 16 min 12 s
